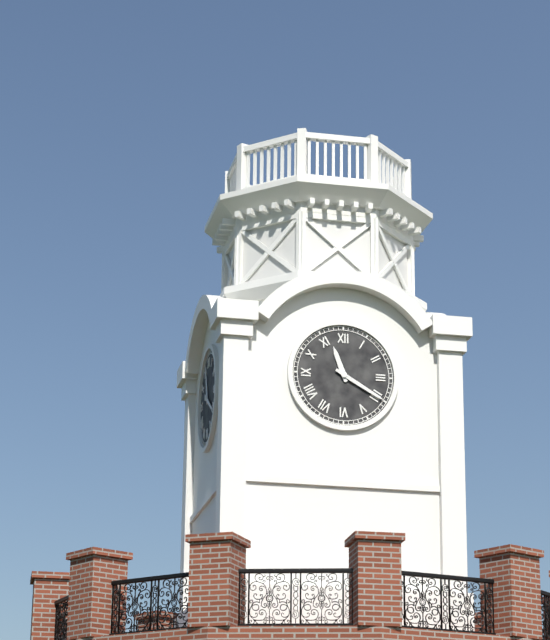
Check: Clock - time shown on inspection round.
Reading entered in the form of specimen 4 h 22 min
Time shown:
11 h 20 min
